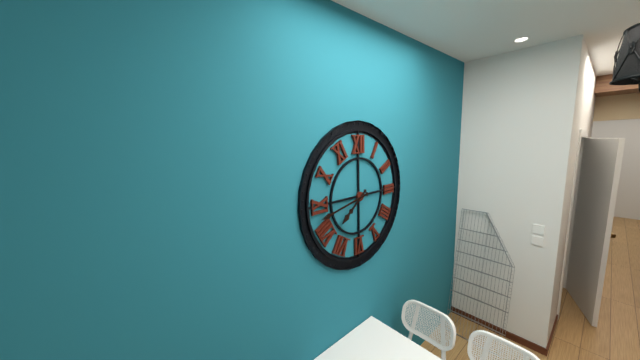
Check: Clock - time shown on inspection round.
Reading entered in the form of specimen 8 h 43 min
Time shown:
7 h 43 min
